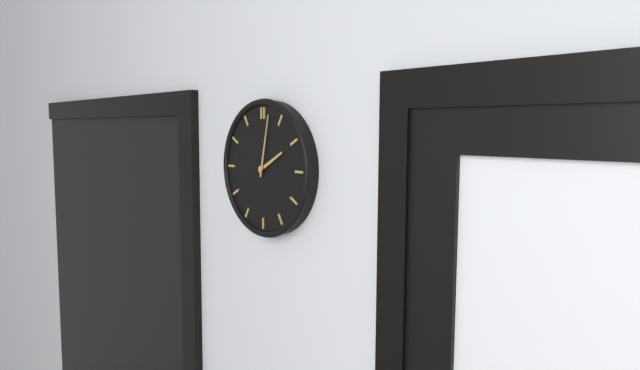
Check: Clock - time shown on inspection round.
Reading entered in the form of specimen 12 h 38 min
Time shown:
2 h 02 min
